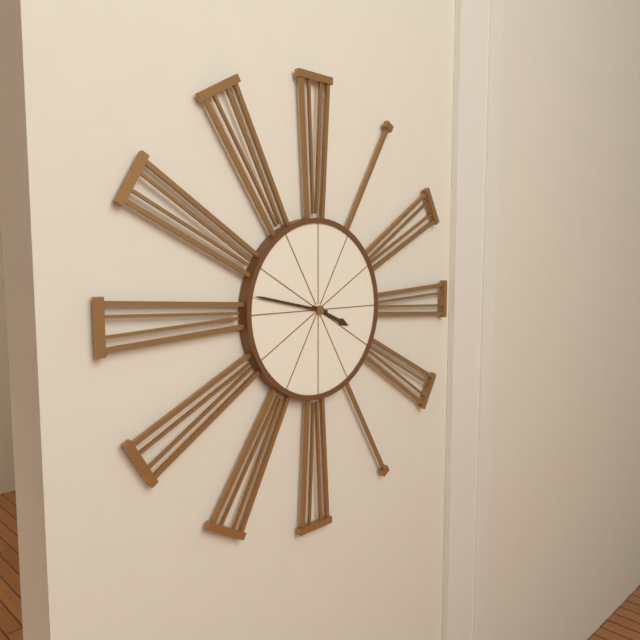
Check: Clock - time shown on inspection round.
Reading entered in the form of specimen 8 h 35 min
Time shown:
3 h 47 min
